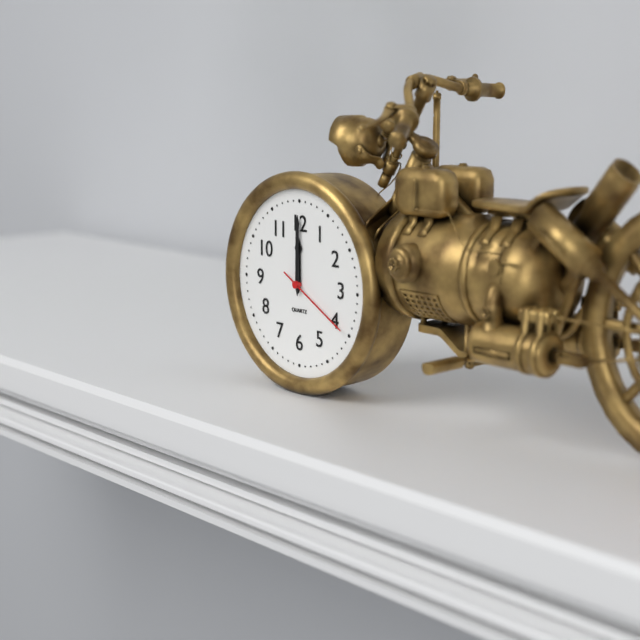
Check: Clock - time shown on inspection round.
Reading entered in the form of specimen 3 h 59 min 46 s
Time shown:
12 h 00 min 20 s
